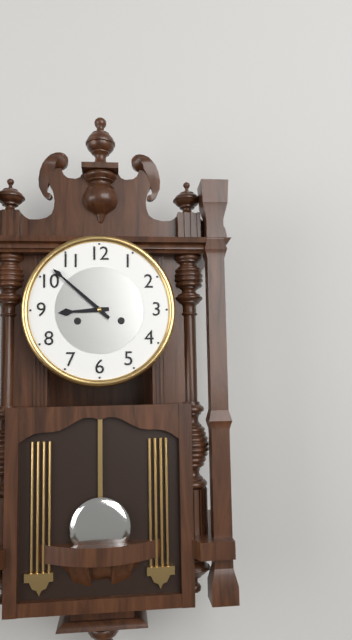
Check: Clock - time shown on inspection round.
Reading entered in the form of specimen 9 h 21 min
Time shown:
8 h 52 min
